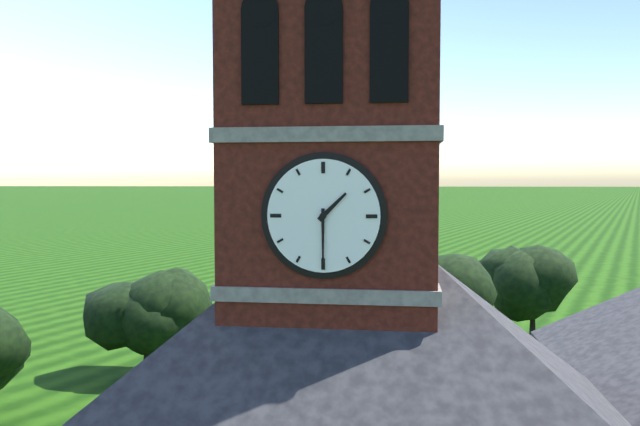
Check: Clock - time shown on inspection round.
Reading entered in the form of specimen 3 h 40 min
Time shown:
1 h 30 min
